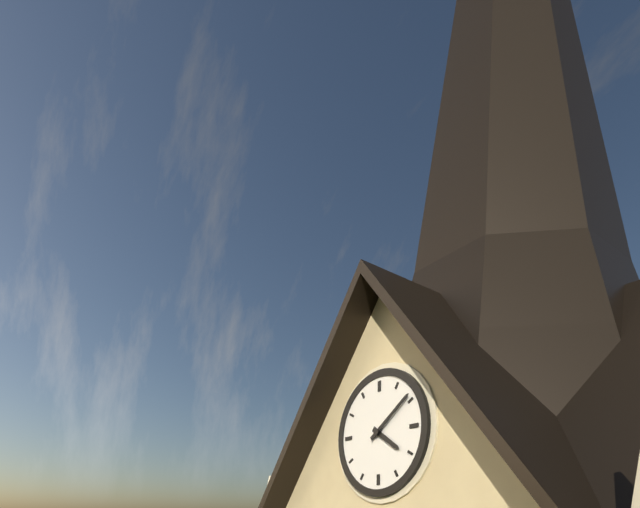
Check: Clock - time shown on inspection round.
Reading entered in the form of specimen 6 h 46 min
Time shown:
4 h 09 min
